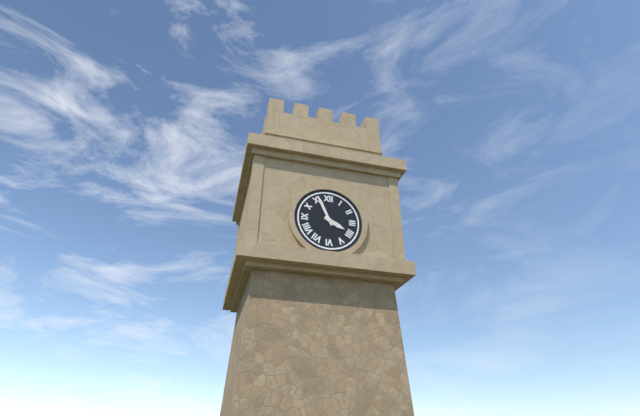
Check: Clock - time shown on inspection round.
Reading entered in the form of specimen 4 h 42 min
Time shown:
3 h 56 min
